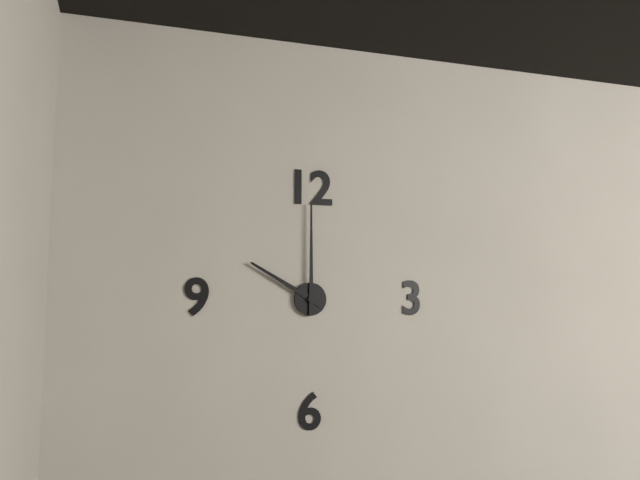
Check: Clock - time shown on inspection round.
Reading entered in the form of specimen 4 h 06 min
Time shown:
10 h 00 min
